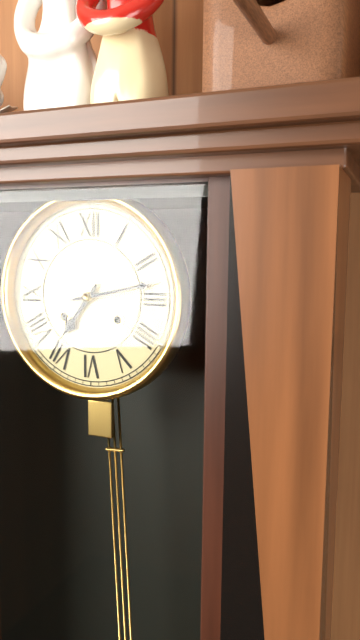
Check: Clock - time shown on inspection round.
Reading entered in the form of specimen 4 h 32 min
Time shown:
7 h 13 min
